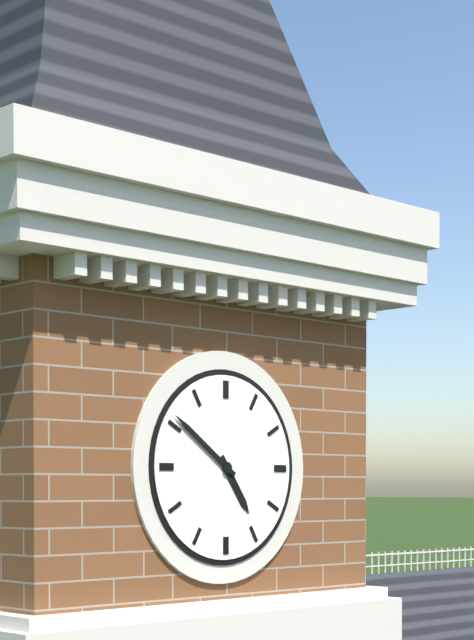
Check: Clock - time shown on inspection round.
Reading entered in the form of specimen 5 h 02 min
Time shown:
4 h 51 min
